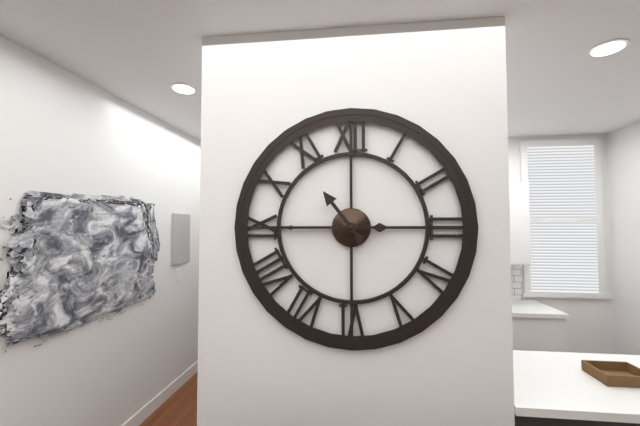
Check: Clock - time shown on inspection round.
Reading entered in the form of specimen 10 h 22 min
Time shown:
10 h 45 min
